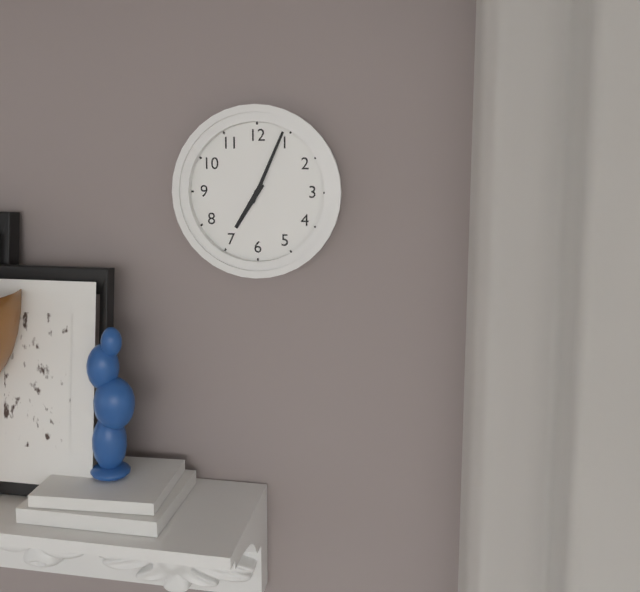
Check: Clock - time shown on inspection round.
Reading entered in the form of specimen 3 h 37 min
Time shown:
7 h 04 min
